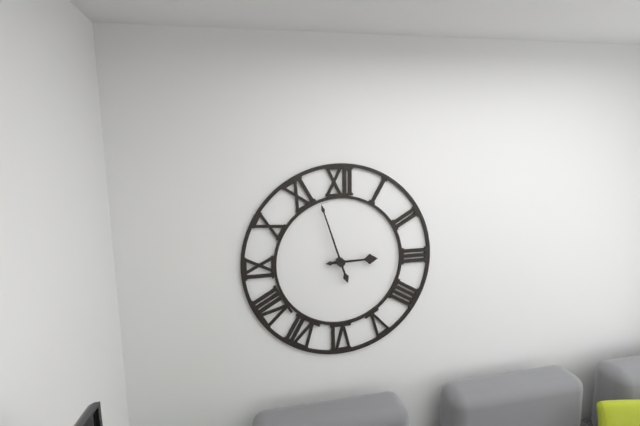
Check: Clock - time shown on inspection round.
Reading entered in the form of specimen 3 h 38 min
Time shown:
2 h 57 min
